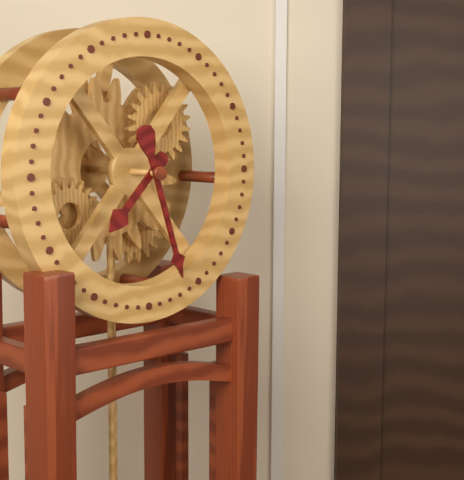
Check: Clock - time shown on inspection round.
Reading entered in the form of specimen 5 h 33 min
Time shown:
7 h 27 min
